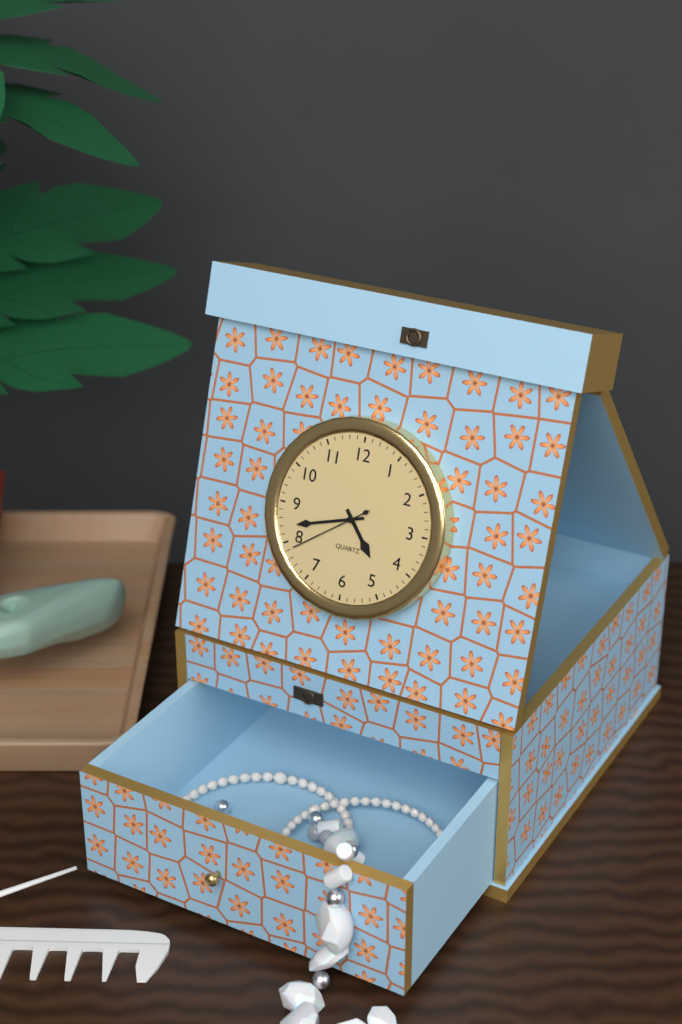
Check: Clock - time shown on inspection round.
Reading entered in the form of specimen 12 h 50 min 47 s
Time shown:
4 h 42 min 39 s
